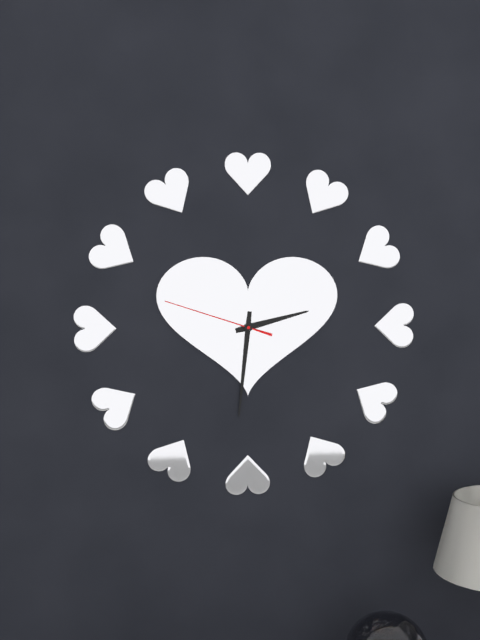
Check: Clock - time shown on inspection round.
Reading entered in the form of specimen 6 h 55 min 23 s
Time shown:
2 h 31 min 48 s
